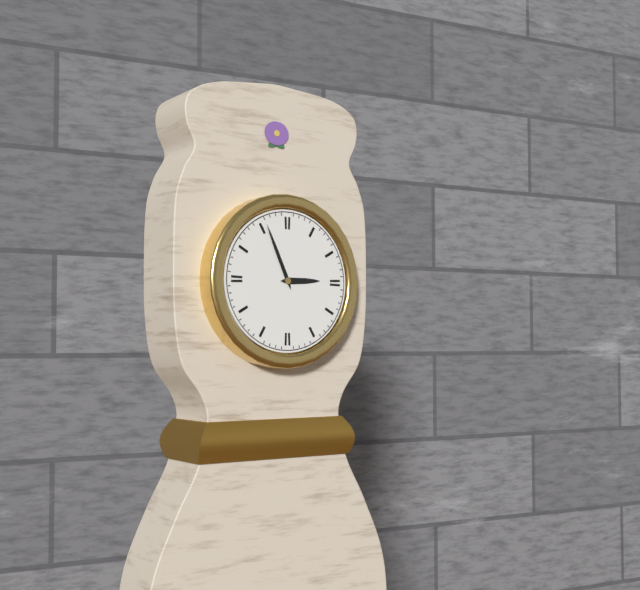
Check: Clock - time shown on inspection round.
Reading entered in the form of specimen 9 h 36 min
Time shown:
2 h 56 min
